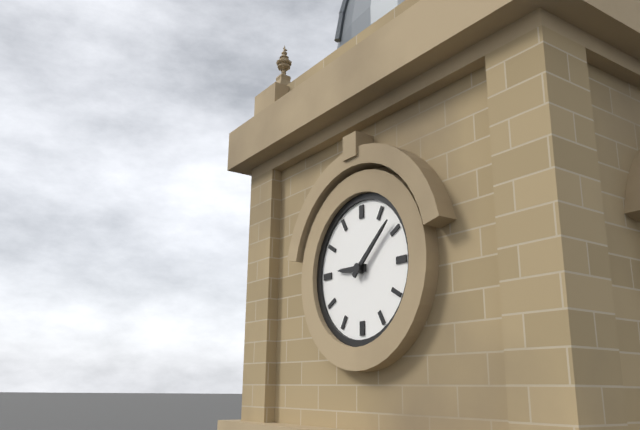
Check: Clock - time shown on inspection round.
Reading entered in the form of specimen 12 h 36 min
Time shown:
9 h 08 min
